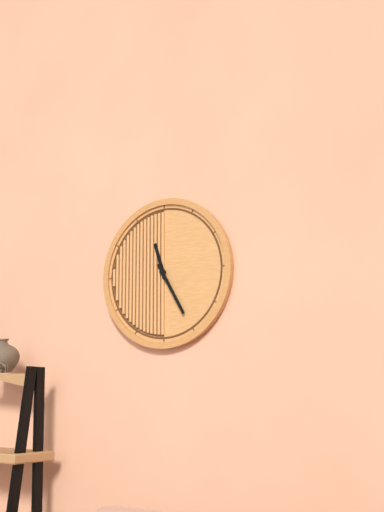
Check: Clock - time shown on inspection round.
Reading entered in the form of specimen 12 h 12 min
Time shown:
11 h 25 min
